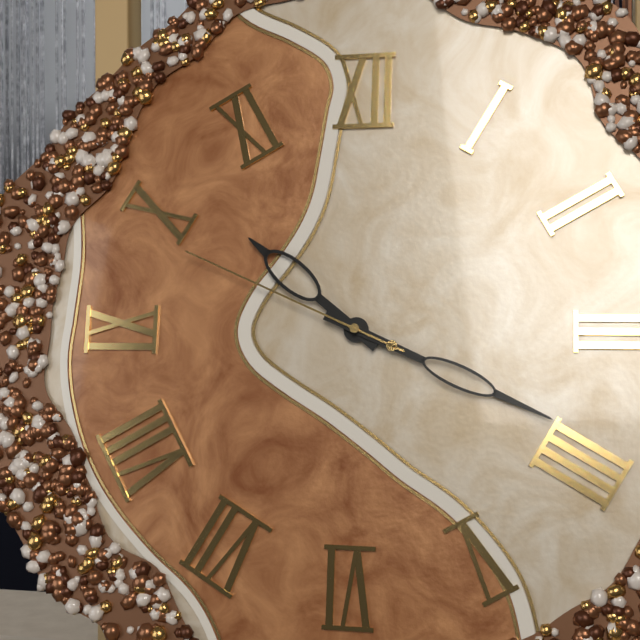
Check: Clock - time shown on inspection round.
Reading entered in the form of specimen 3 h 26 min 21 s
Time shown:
10 h 19 min 49 s
